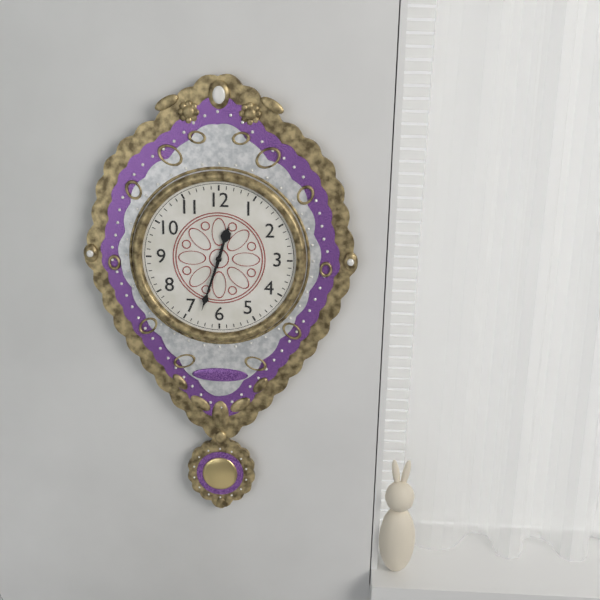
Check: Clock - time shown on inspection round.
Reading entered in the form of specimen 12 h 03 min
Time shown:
12 h 33 min
